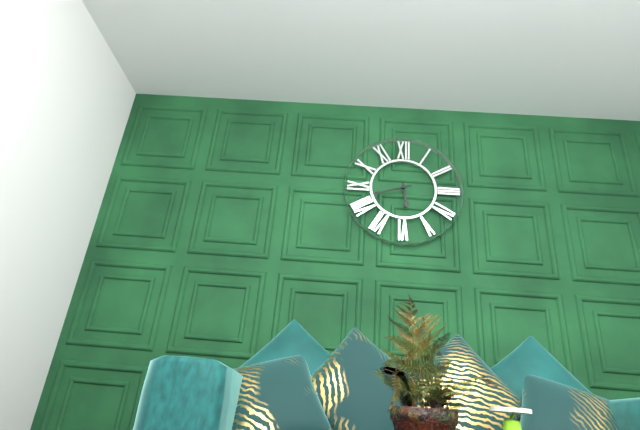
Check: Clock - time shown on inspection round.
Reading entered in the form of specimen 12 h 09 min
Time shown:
5 h 42 min
